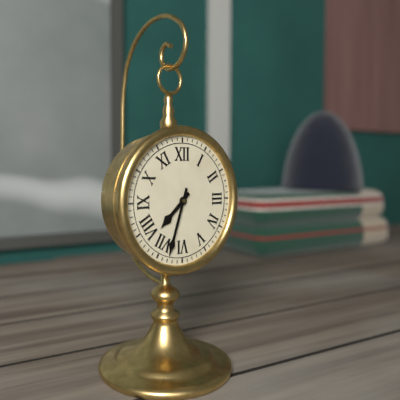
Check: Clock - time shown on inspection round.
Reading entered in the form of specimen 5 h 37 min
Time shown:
7 h 33 min
